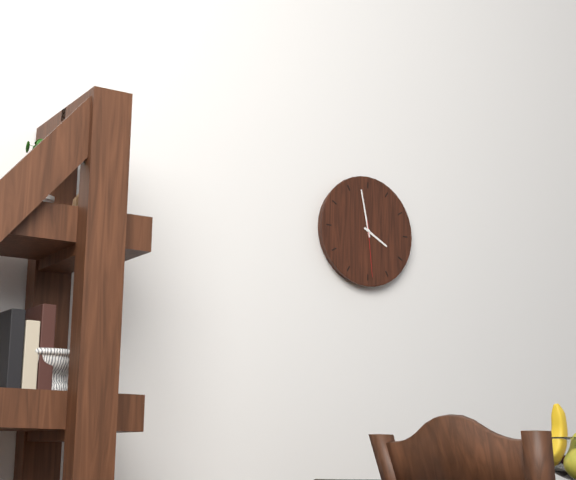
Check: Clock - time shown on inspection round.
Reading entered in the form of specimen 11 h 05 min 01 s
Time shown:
3 h 58 min 29 s
